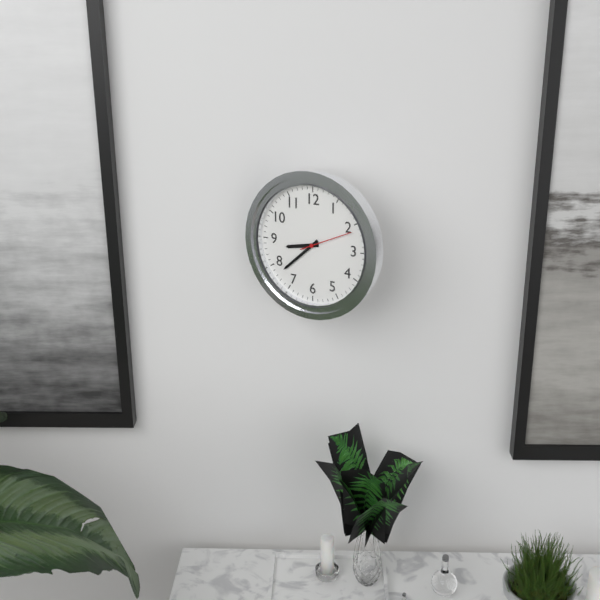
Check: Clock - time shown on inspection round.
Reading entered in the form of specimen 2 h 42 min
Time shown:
8 h 38 min
